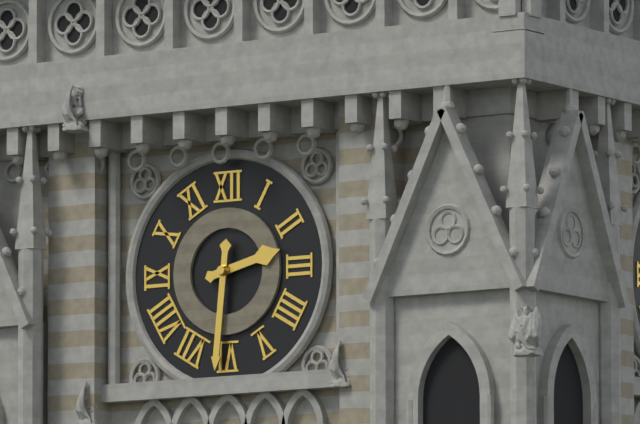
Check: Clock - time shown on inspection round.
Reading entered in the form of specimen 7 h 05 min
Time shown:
2 h 31 min
